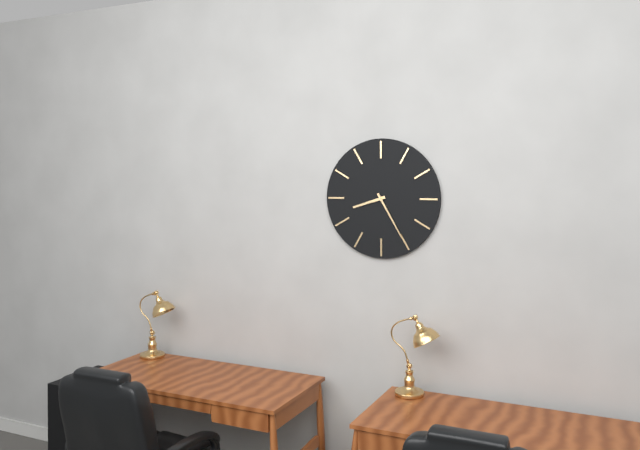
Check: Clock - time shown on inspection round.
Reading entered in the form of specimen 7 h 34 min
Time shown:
8 h 25 min
